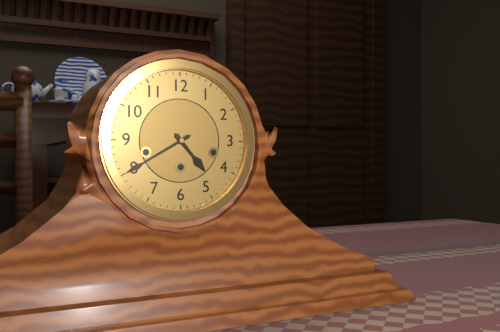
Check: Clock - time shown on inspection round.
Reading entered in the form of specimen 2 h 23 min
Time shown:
4 h 40 min
